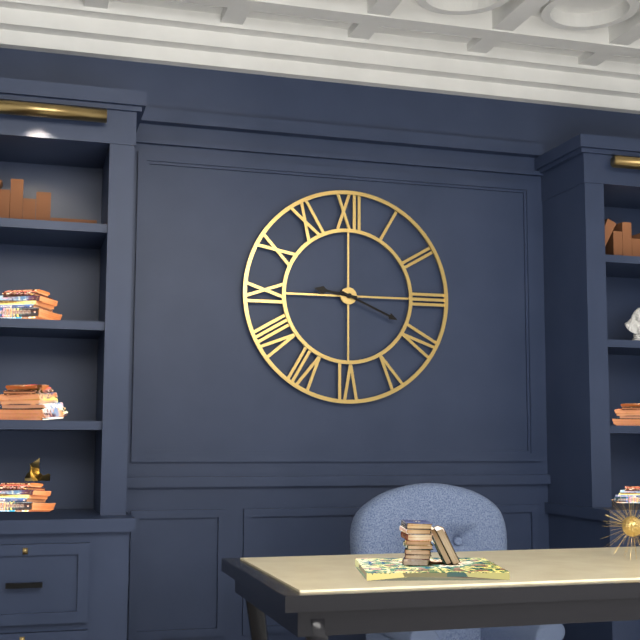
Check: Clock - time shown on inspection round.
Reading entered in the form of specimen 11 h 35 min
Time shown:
9 h 19 min
